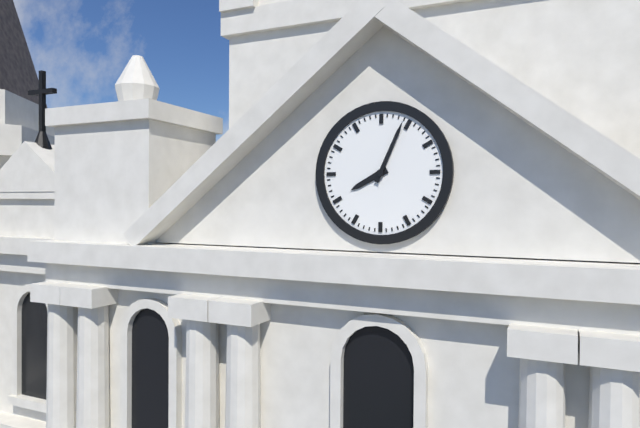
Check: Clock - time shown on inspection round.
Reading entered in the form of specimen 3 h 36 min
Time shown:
8 h 04 min
